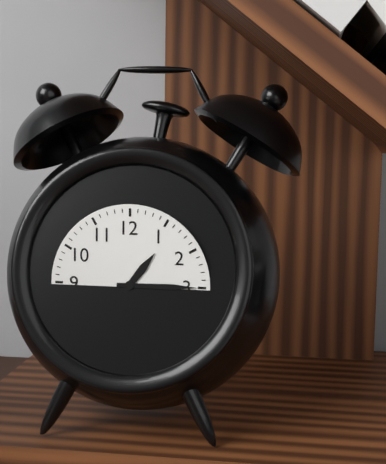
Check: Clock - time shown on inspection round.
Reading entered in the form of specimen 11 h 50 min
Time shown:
1 h 15 min
